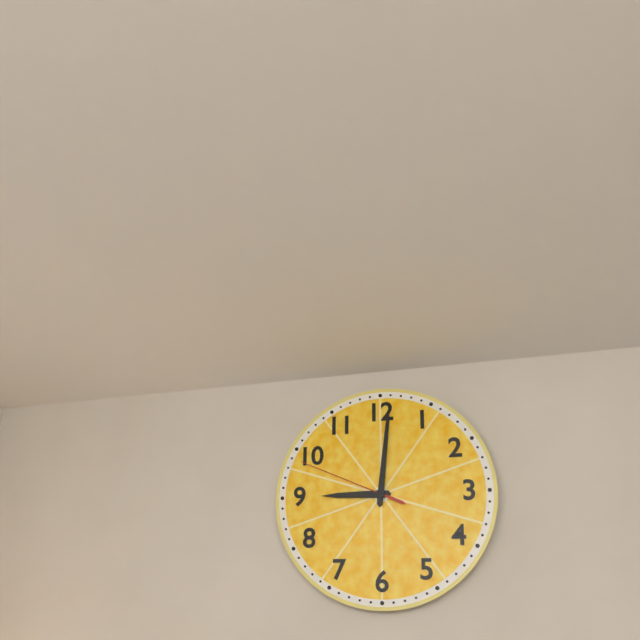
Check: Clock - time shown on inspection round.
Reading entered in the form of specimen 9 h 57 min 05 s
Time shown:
9 h 01 min 49 s
